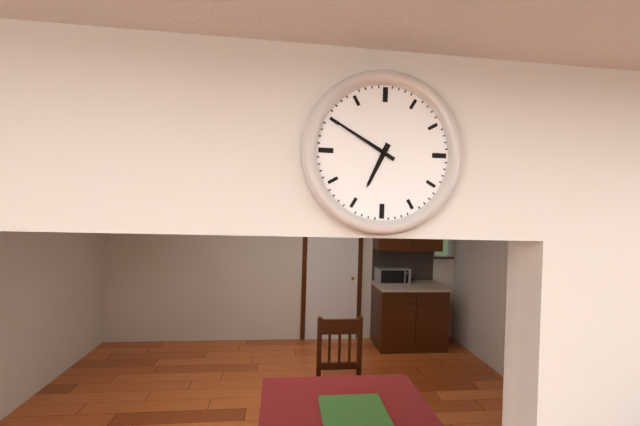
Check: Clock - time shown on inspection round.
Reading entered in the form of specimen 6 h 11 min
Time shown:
6 h 50 min
